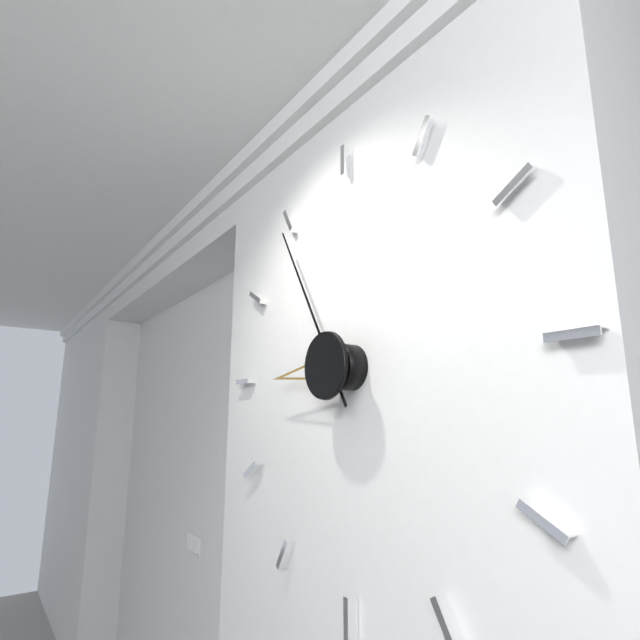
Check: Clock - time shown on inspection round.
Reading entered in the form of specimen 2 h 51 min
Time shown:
8 h 55 min
